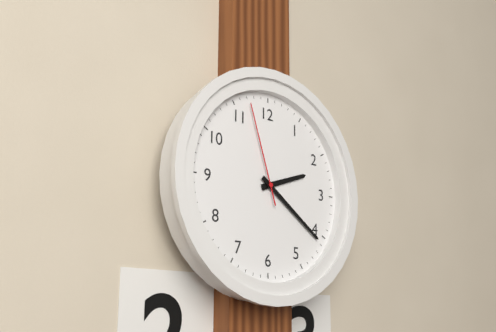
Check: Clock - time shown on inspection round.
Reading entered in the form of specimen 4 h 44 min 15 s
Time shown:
2 h 21 min 57 s
